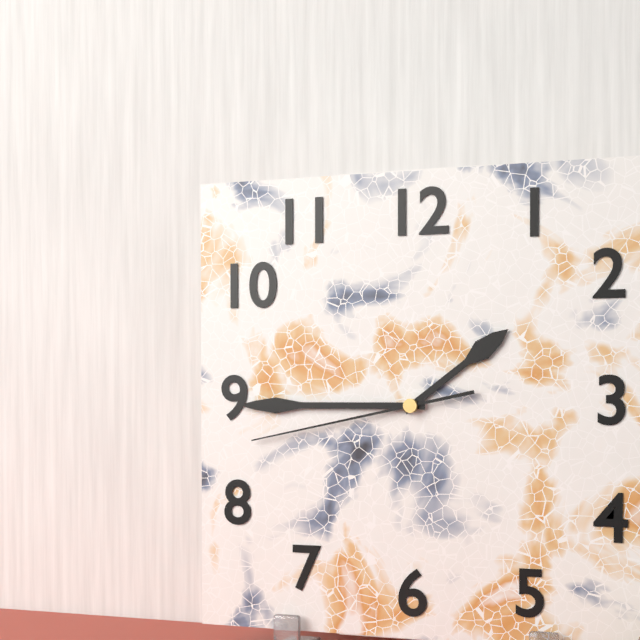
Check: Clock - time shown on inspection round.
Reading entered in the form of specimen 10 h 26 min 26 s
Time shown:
1 h 45 min 43 s
